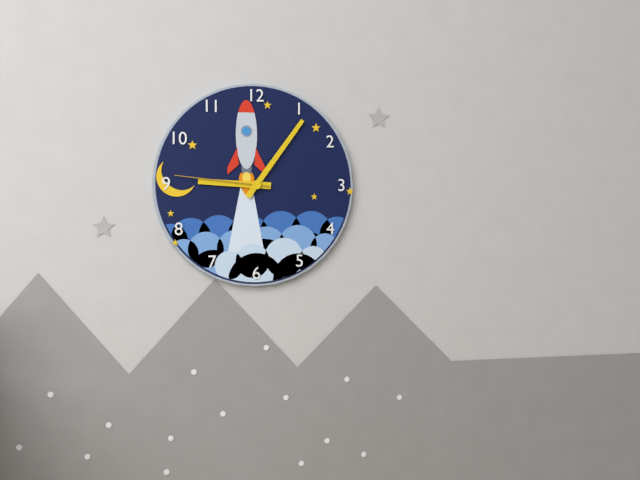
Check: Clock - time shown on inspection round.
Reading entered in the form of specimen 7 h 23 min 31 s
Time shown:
9 h 06 min 46 s
